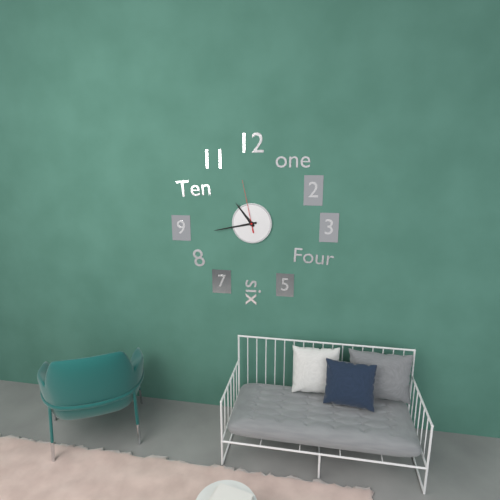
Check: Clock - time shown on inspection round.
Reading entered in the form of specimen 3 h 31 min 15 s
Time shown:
10 h 43 min 58 s
